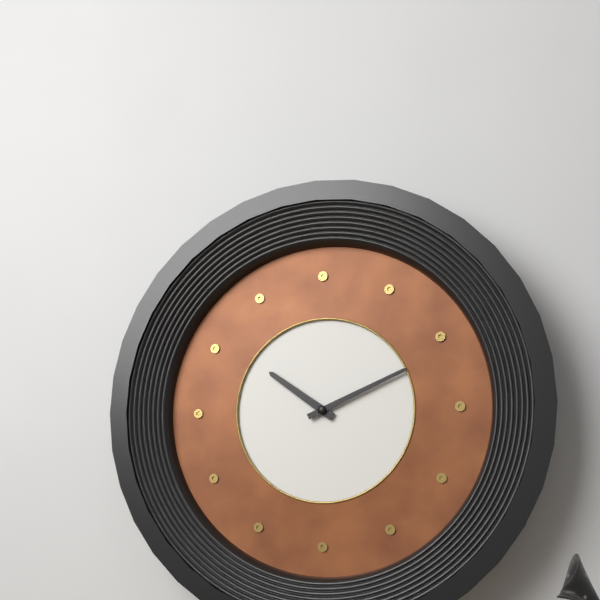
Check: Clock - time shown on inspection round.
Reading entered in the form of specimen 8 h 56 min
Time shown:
10 h 11 min
